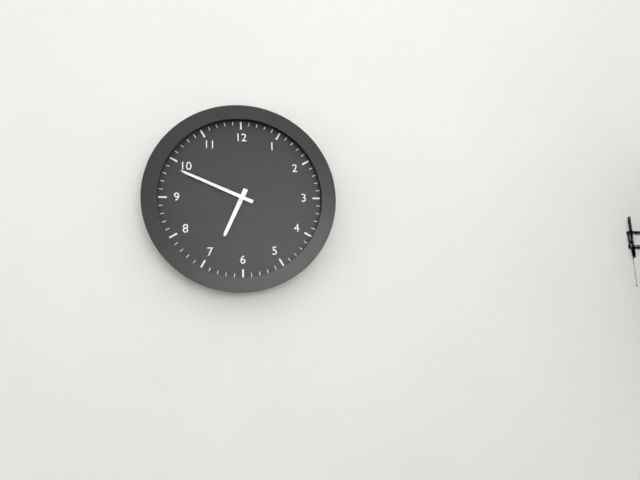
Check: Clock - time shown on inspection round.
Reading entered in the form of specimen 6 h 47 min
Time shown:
6 h 49 min
